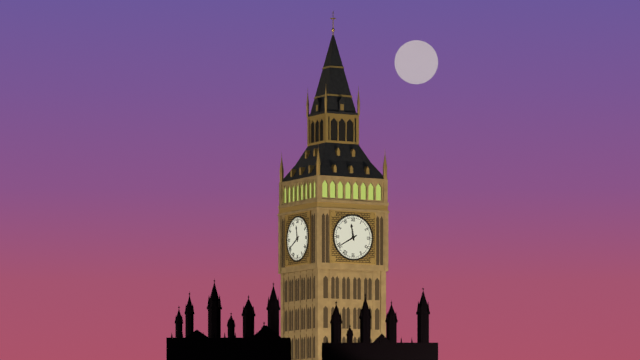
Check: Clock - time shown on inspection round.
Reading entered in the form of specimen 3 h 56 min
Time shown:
11 h 40 min
